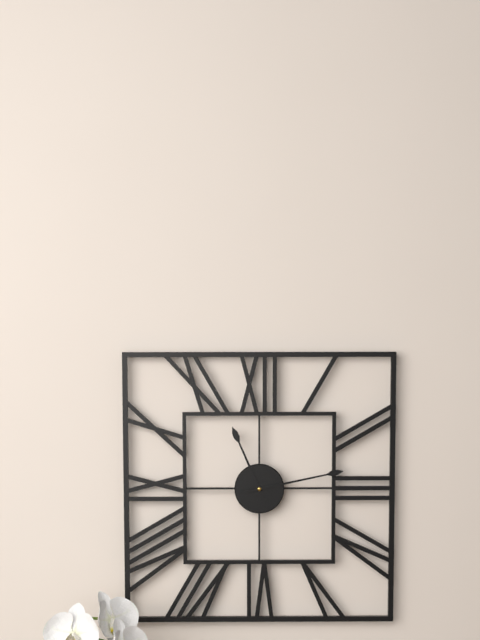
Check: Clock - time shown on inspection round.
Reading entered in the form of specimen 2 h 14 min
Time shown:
11 h 13 min
